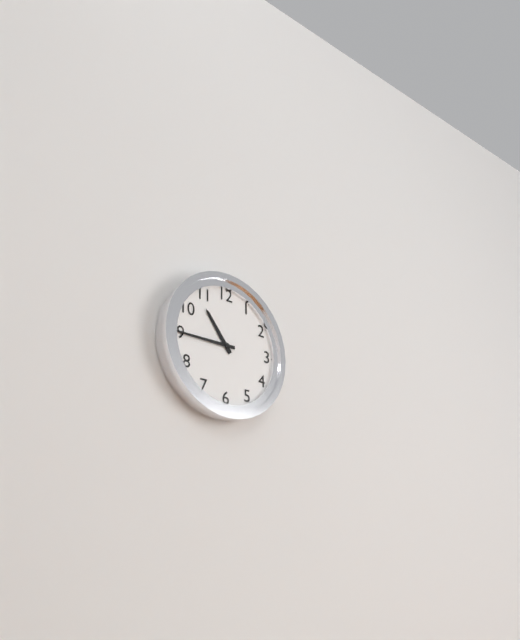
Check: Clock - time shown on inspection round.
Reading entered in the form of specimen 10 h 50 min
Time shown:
10 h 45 min
